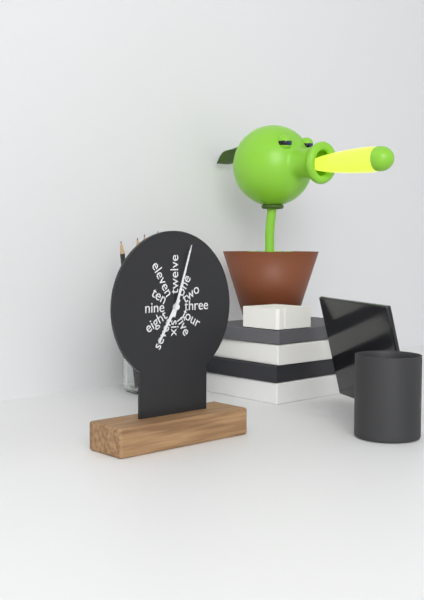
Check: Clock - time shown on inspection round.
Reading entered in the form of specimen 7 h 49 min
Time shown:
7 h 03 min
